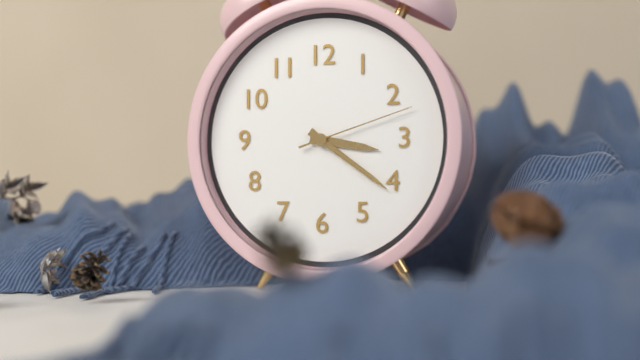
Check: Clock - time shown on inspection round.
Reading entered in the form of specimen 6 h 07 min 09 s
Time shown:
3 h 21 min 12 s
